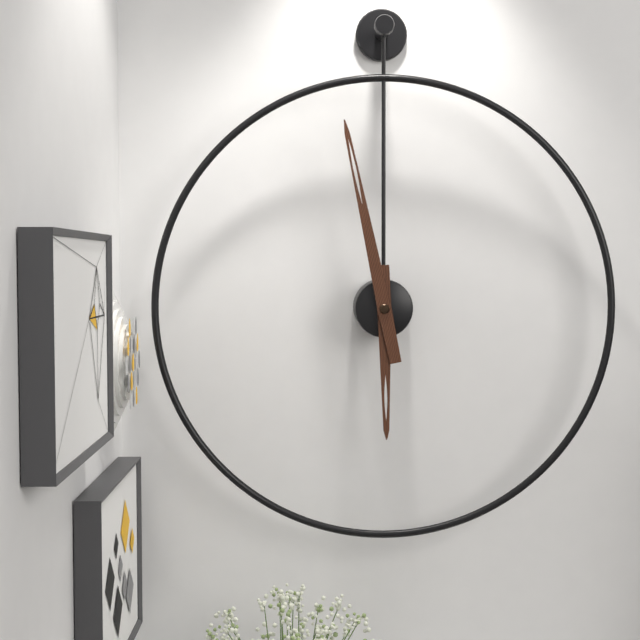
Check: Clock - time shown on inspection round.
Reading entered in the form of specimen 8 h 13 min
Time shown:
5 h 58 min
